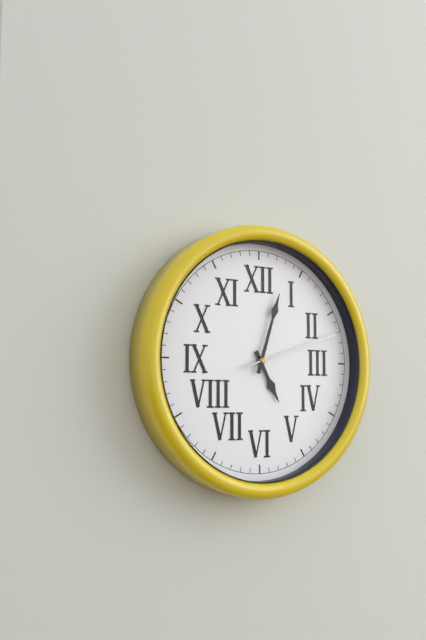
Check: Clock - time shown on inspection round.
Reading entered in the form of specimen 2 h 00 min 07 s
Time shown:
5 h 03 min 12 s
